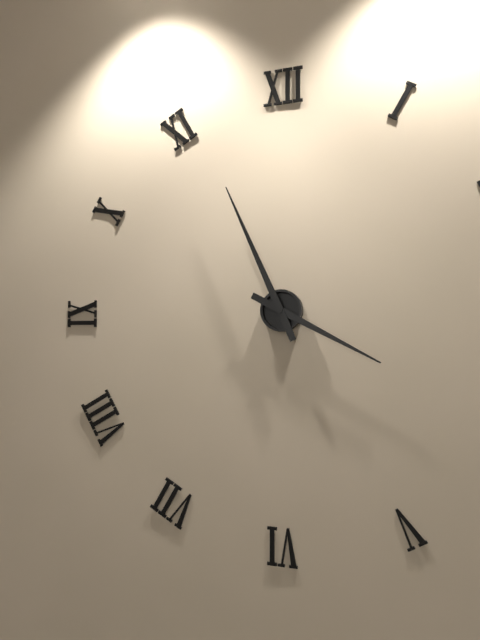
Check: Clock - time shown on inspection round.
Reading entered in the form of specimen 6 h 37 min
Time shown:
3 h 56 min
